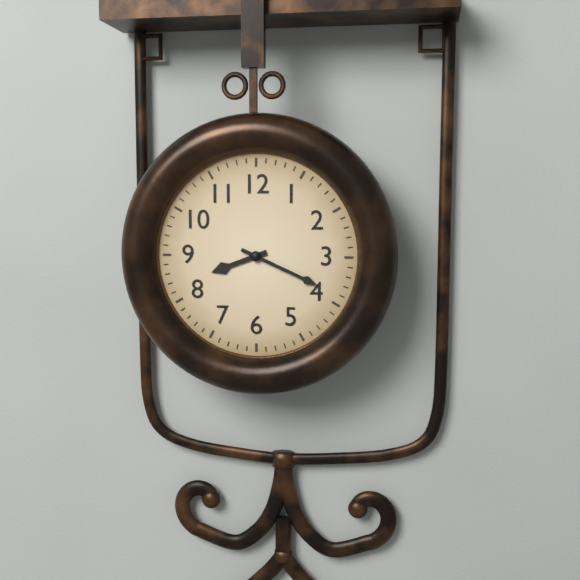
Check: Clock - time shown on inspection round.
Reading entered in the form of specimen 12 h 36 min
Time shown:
8 h 19 min
